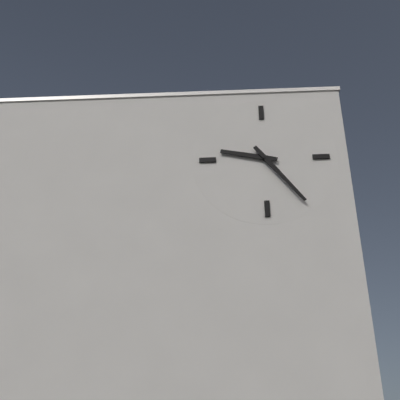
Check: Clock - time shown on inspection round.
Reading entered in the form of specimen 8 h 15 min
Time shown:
9 h 24 min
